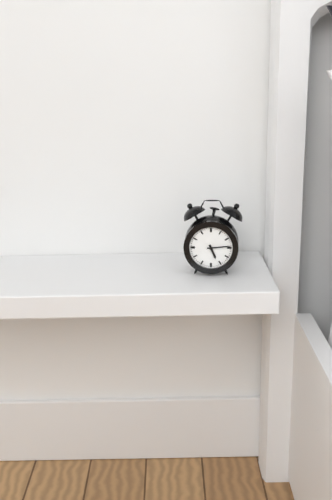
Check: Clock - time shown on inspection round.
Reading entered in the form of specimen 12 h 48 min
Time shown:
5 h 14 min
